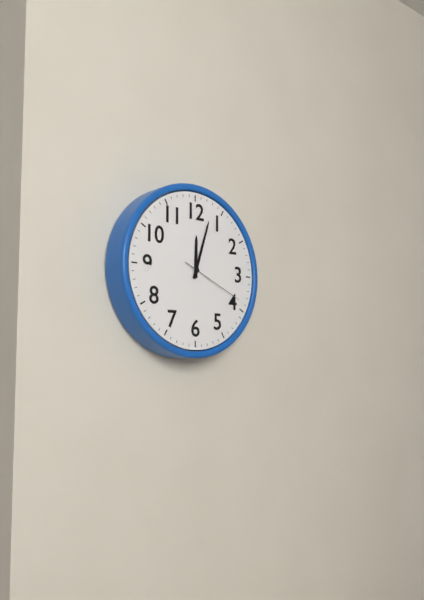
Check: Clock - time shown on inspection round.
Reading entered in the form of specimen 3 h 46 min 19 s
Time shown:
12 h 03 min 19 s
